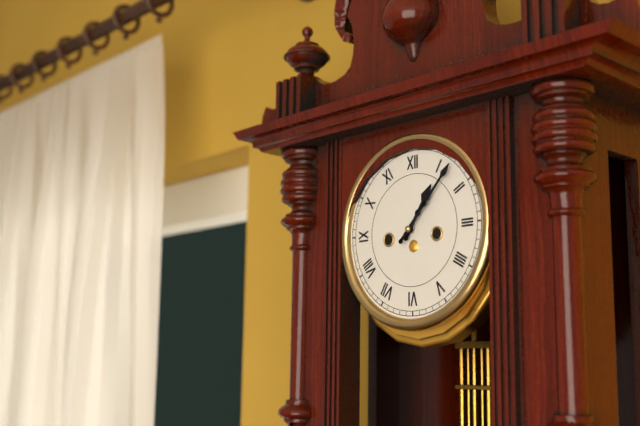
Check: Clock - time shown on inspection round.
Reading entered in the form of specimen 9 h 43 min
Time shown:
1 h 07 min
